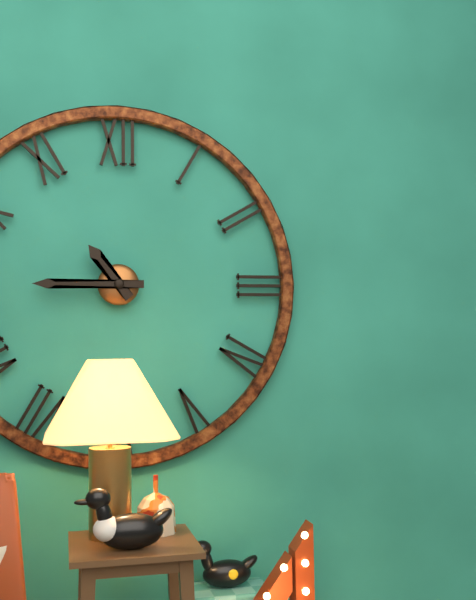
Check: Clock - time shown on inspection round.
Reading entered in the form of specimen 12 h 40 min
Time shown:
10 h 45 min
